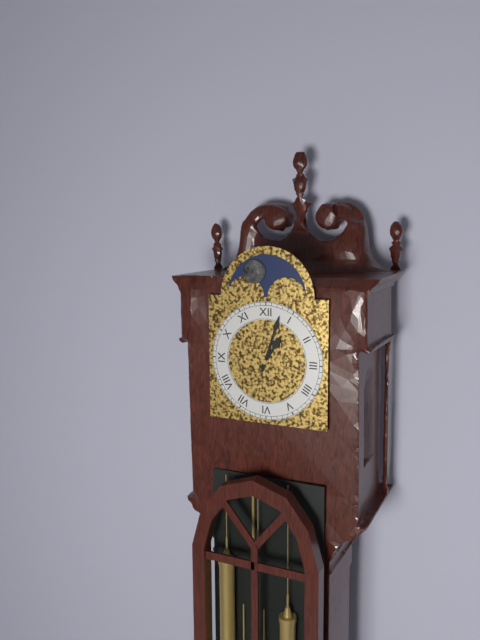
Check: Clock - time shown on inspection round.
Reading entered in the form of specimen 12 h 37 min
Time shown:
1 h 03 min
